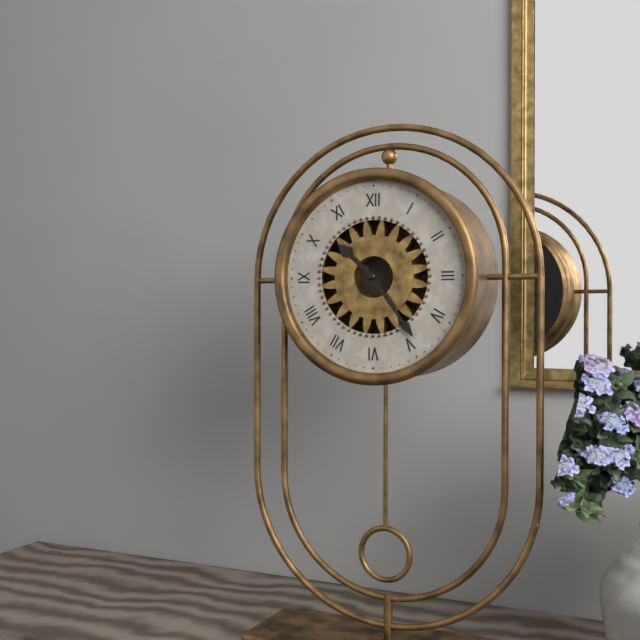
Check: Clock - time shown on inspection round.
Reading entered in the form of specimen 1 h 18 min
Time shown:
10 h 24 min
